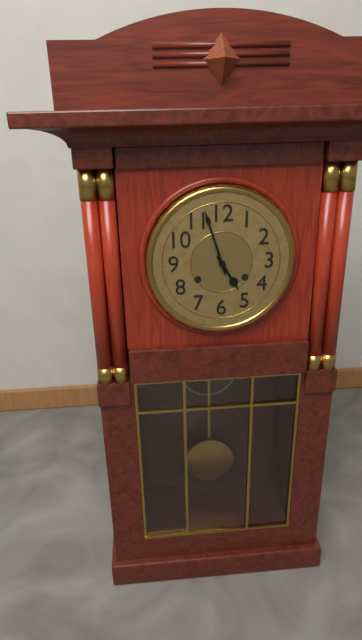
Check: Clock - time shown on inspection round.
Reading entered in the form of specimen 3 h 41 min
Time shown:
4 h 57 min
